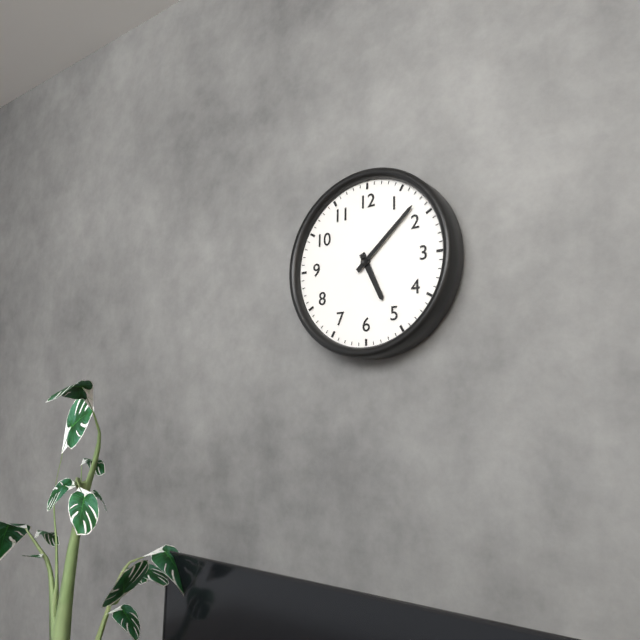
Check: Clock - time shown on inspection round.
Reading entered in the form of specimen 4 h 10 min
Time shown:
5 h 08 min
